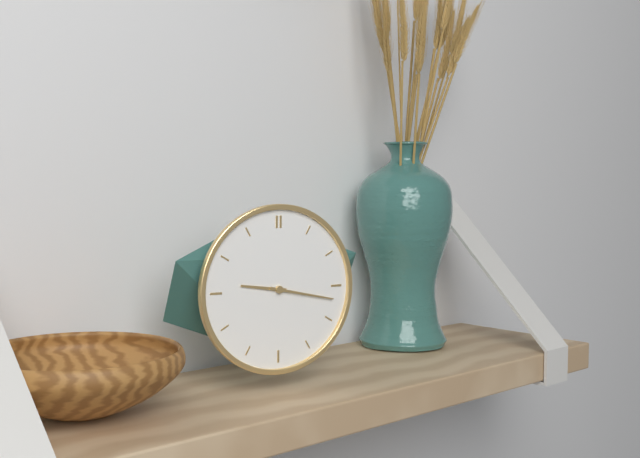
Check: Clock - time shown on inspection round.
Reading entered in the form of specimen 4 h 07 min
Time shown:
9 h 17 min
